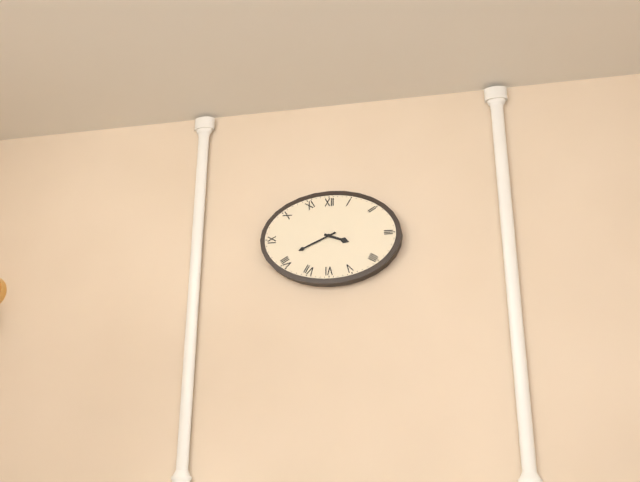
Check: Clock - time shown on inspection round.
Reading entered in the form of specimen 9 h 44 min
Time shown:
3 h 41 min
